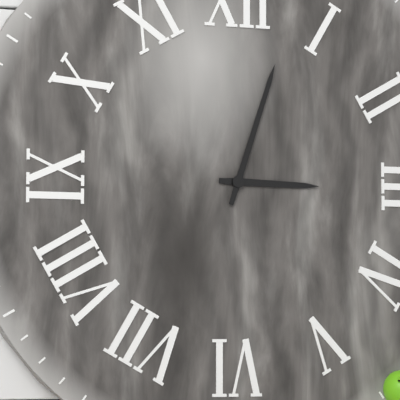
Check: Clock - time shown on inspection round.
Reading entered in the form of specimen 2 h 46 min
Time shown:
3 h 03 min
